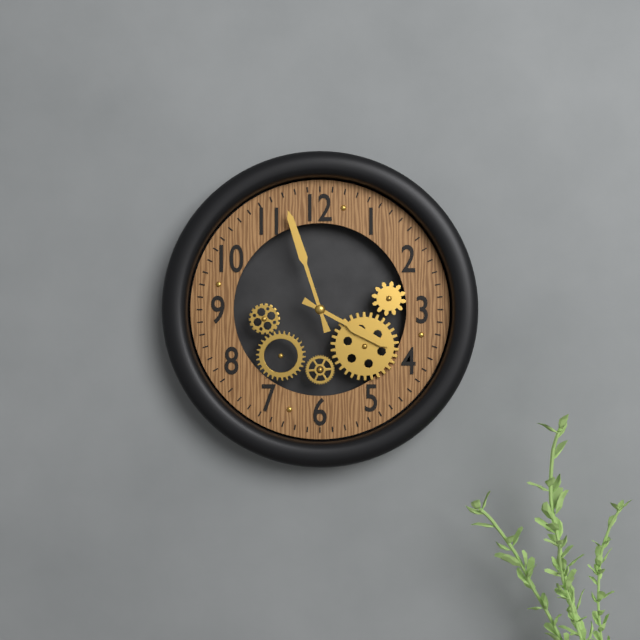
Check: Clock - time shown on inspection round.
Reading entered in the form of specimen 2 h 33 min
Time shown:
3 h 57 min
